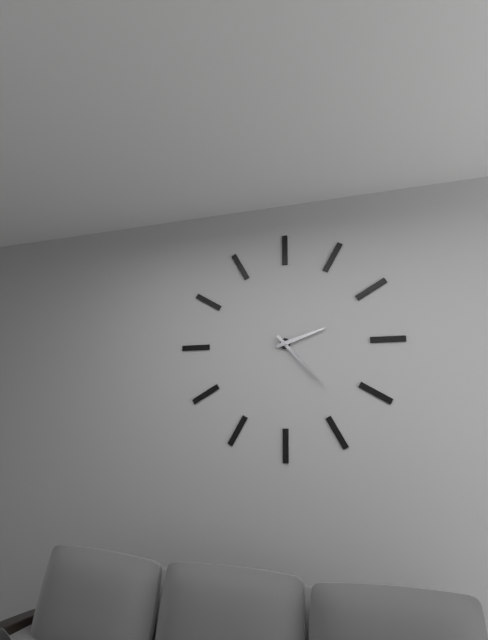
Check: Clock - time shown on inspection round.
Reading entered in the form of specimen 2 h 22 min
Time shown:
2 h 23 min
